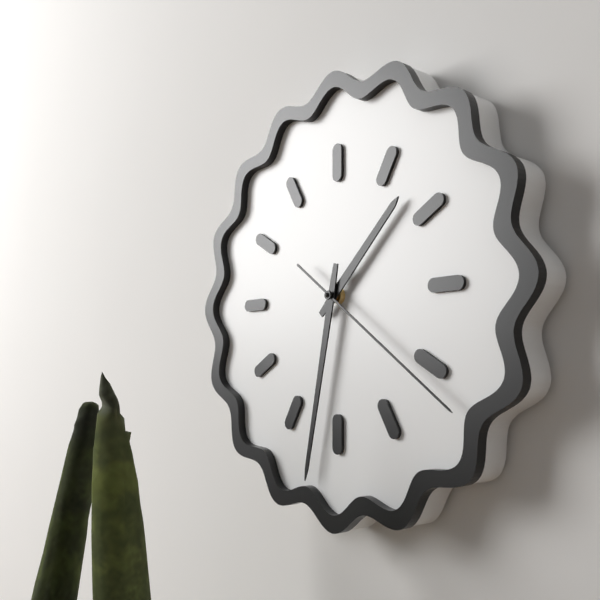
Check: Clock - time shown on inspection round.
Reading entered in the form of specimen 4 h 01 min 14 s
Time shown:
1 h 32 min 21 s
